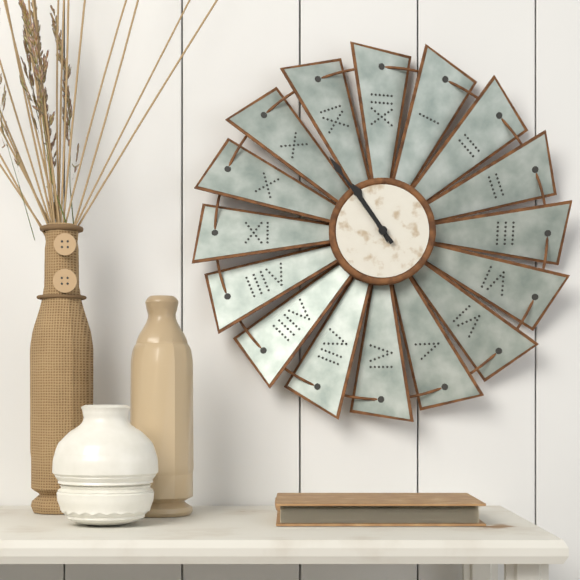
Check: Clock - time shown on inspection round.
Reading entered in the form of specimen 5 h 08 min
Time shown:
10 h 54 min
